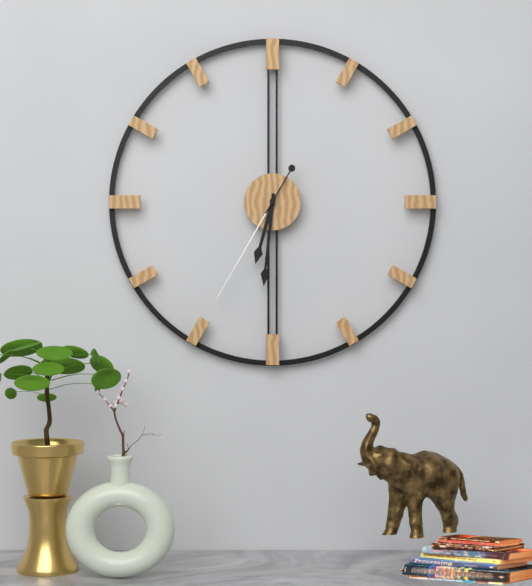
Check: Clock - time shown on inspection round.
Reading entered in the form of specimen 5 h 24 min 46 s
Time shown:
6 h 31 min 35 s
